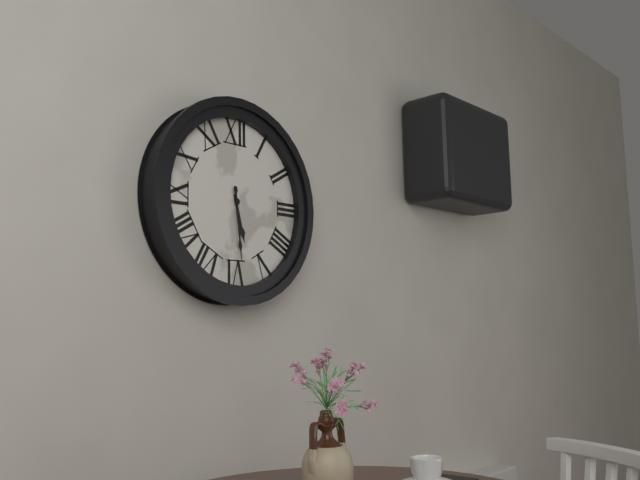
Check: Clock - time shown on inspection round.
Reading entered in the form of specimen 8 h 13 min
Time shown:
5 h 29 min
